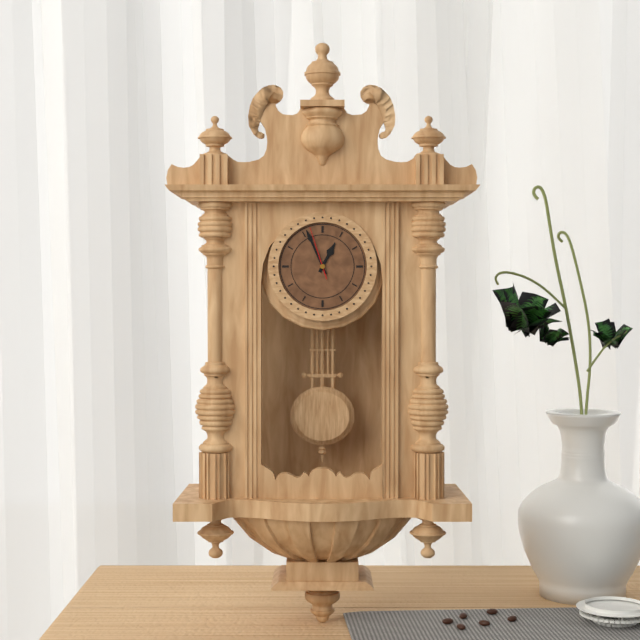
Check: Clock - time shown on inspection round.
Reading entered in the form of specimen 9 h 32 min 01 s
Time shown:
12 h 56 min 57 s
